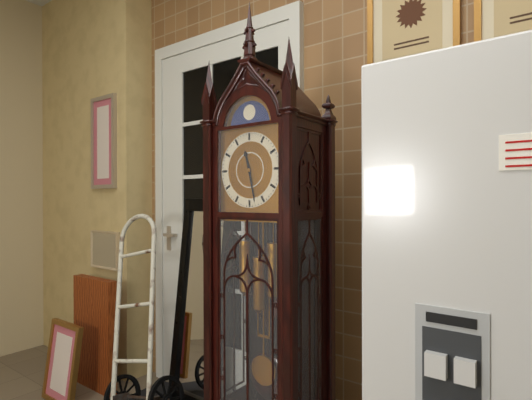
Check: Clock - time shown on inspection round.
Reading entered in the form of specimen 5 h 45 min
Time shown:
11 h 28 min
